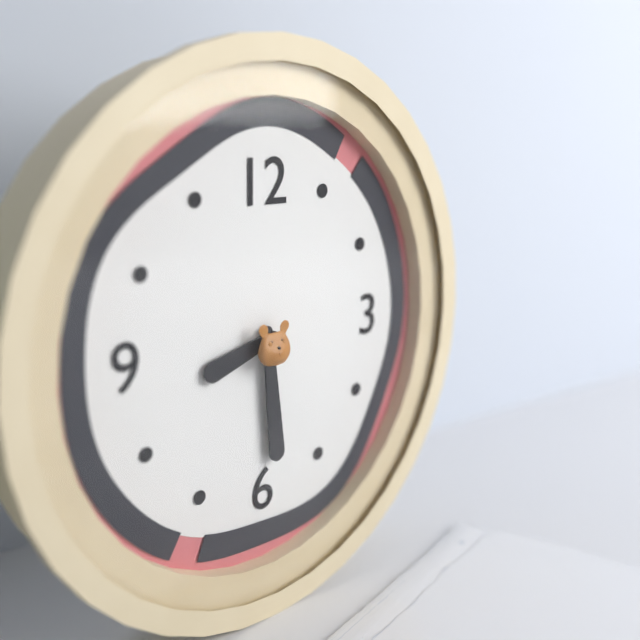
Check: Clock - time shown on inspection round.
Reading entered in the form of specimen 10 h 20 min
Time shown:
8 h 29 min
